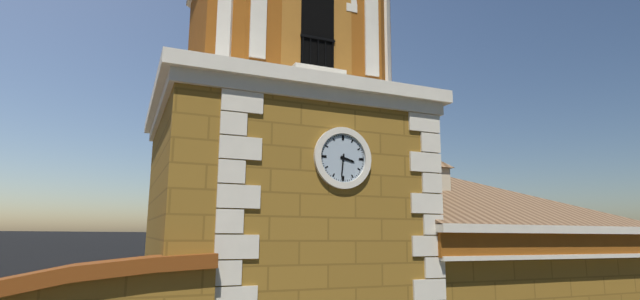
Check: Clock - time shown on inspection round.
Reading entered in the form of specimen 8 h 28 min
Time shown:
3 h 31 min
